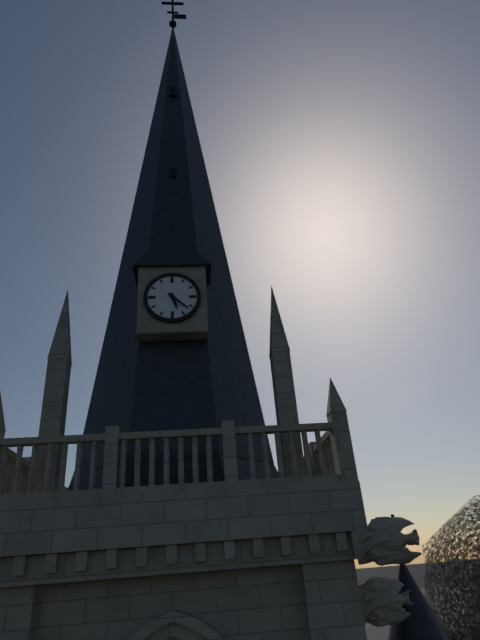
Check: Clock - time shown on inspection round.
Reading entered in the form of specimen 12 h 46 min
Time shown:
5 h 22 min
